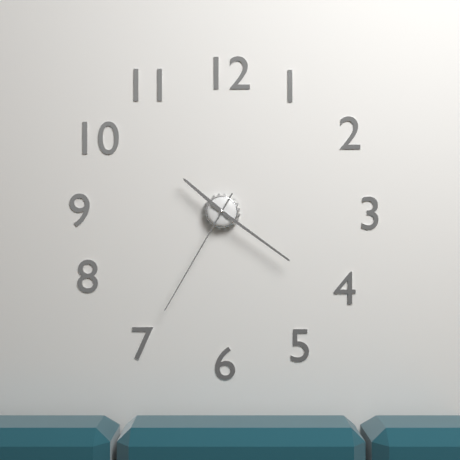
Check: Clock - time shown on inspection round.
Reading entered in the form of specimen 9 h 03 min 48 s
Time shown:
10 h 21 min 35 s
